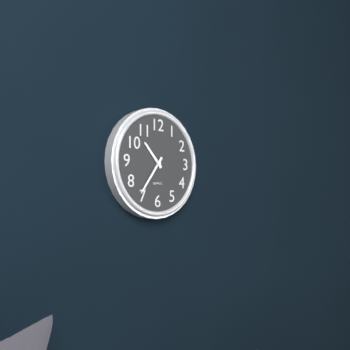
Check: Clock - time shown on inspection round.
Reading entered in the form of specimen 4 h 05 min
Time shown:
10 h 36 min
